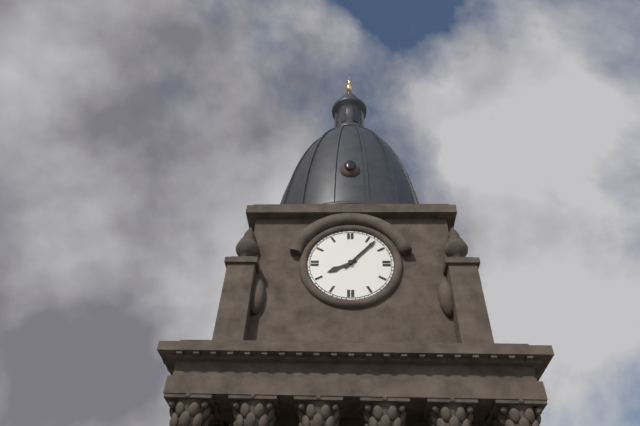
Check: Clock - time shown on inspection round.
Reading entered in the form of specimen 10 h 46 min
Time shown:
8 h 07 min
